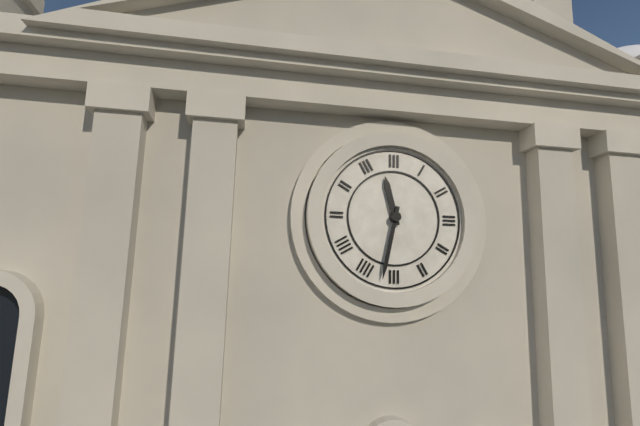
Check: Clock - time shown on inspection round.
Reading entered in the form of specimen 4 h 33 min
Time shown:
11 h 32 min
